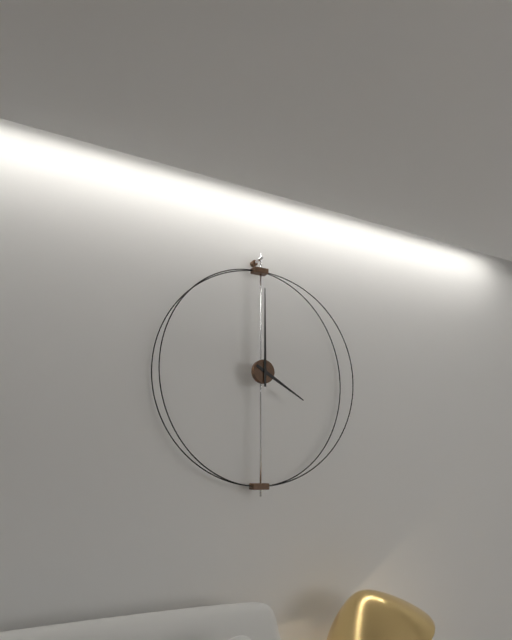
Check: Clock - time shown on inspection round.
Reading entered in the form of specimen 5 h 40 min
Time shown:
4 h 00 min
